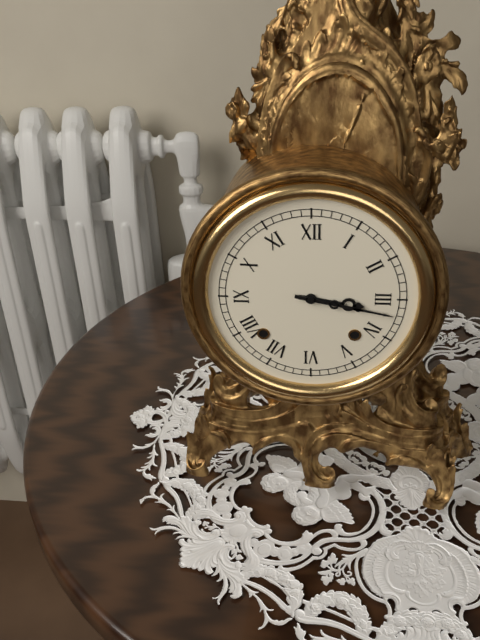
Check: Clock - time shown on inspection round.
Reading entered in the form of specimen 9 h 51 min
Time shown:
3 h 17 min
